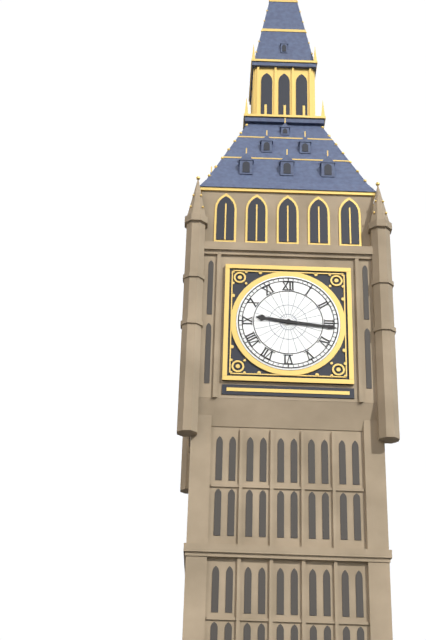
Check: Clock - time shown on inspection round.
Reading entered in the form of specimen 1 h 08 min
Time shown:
9 h 16 min
